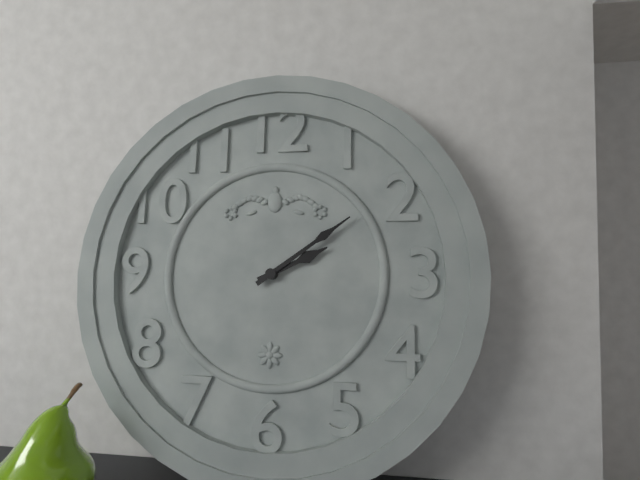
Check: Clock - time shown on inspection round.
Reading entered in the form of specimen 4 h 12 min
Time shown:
2 h 09 min
